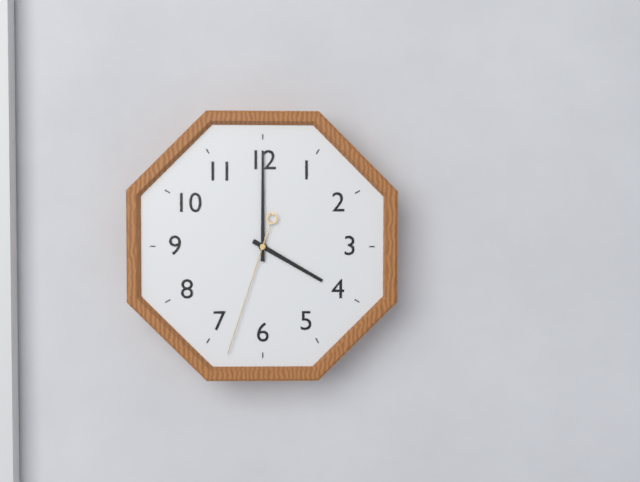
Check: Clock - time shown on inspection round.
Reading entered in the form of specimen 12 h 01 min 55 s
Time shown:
4 h 00 min 33 s
